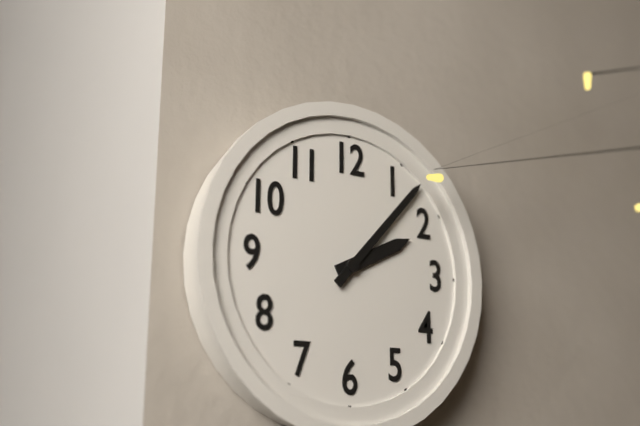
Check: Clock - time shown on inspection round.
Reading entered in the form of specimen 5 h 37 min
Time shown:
2 h 07 min
